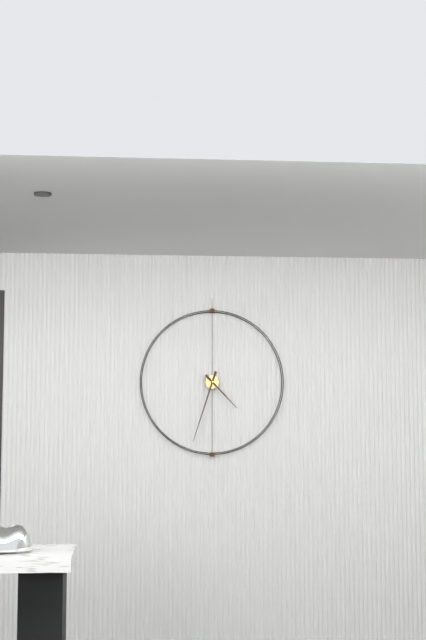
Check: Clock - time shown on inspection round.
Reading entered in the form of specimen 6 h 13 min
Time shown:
4 h 33 min
